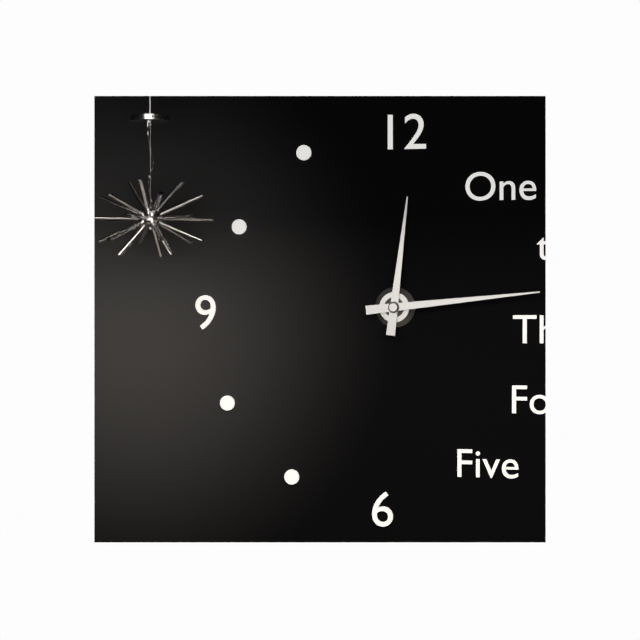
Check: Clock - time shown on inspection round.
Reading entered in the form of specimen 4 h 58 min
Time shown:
12 h 14 min
